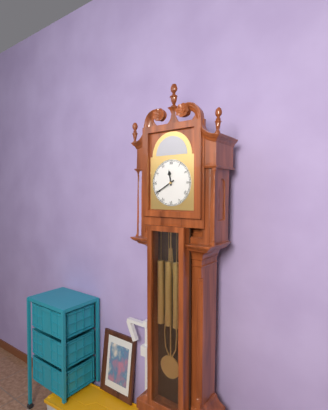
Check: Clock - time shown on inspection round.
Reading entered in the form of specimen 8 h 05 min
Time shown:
11 h 40 min
